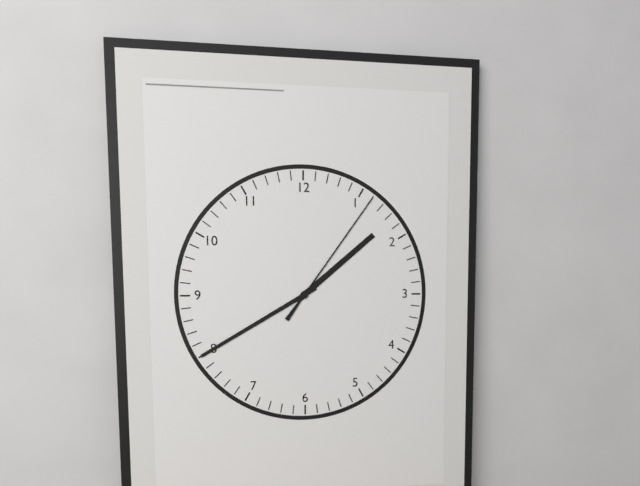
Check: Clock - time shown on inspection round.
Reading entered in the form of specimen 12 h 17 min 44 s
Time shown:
1 h 40 min 06 s
